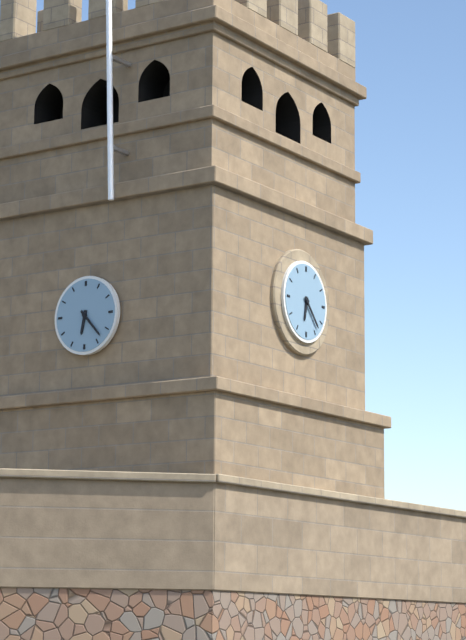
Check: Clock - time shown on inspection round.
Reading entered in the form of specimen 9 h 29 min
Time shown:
6 h 23 min
